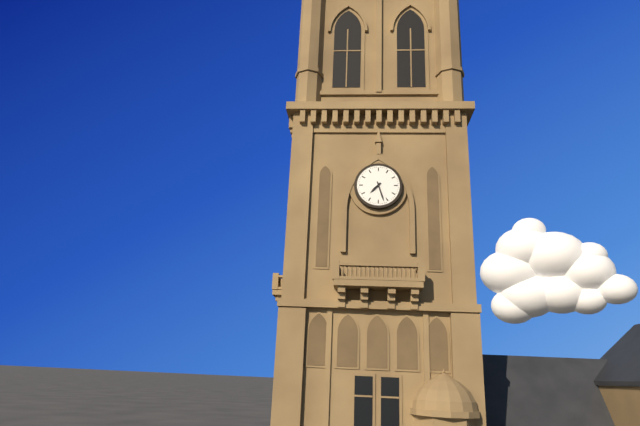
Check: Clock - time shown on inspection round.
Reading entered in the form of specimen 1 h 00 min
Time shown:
7 h 27 min
